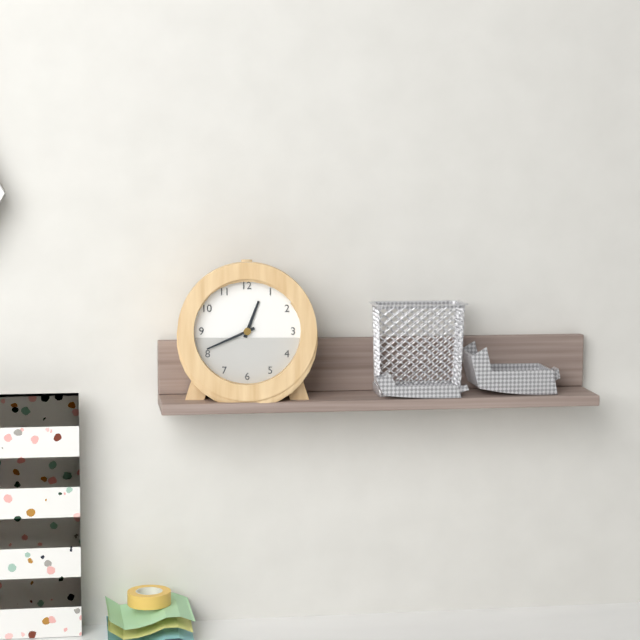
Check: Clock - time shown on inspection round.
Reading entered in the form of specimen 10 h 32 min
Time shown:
12 h 41 min
